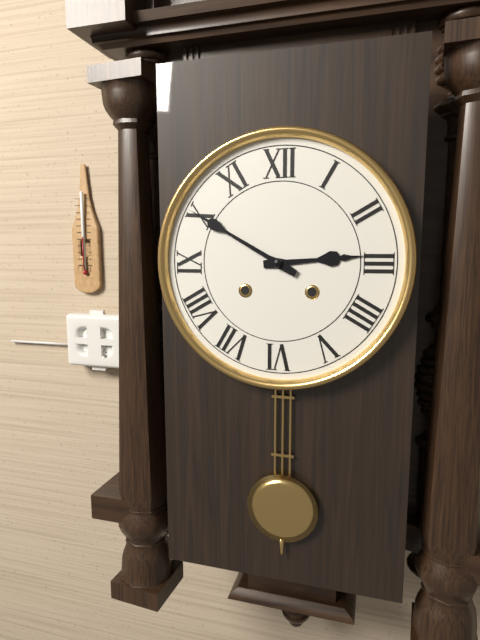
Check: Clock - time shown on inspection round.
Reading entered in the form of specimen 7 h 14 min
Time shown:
2 h 50 min
